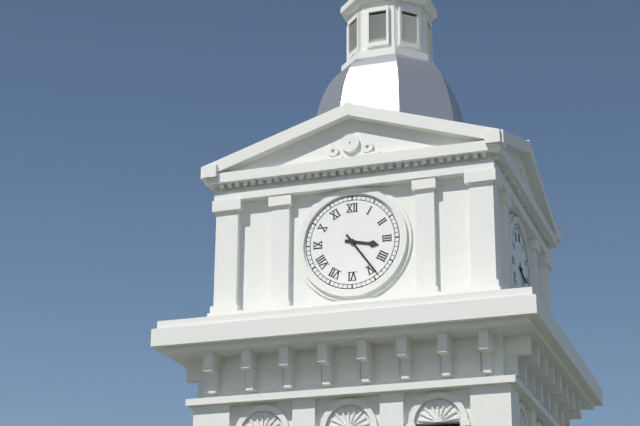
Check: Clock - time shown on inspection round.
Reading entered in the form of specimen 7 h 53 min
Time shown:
3 h 24 min
